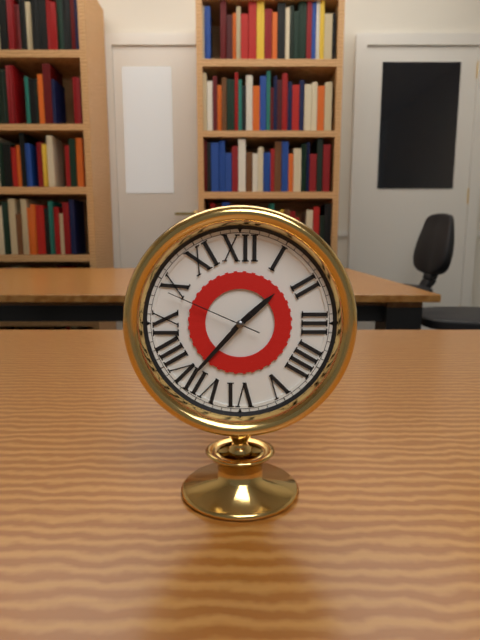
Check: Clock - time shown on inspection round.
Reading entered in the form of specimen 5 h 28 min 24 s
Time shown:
1 h 37 min 49 s
